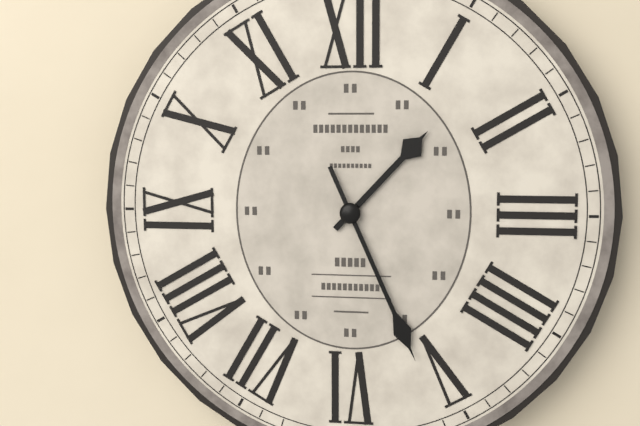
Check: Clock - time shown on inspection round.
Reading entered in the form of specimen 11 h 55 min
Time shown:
1 h 26 min
